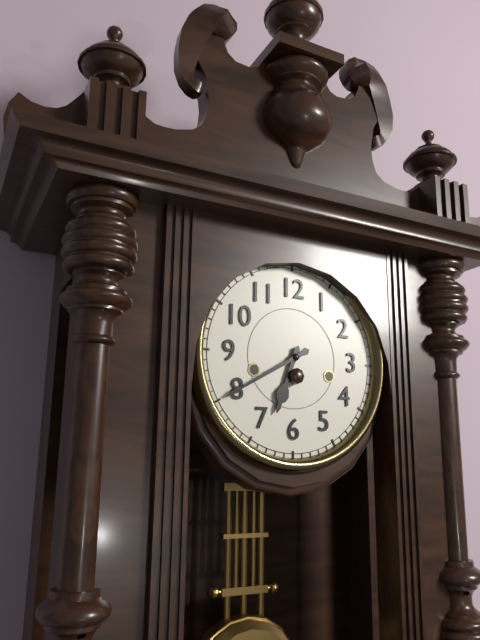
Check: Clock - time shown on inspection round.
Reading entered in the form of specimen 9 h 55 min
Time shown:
6 h 40 min
